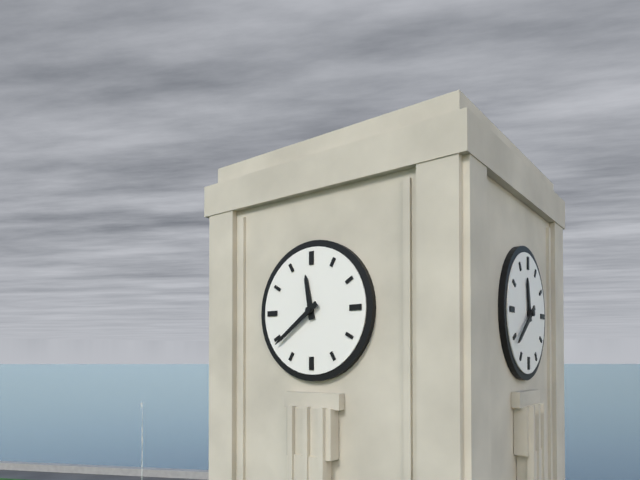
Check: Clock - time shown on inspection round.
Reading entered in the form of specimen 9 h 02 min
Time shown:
11 h 39 min
